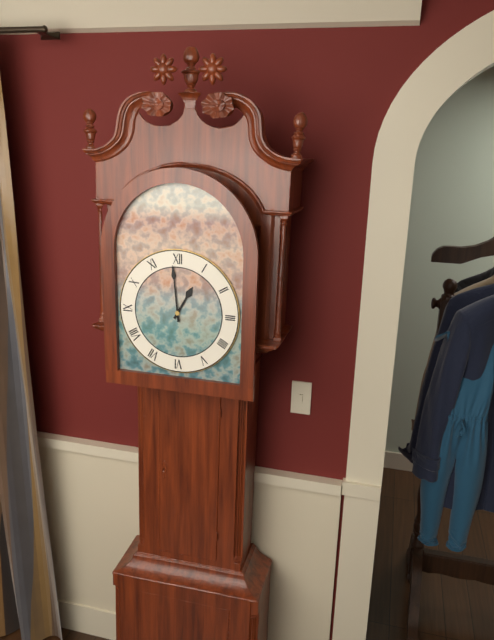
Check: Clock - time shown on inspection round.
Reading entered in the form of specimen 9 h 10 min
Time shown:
12 h 59 min
